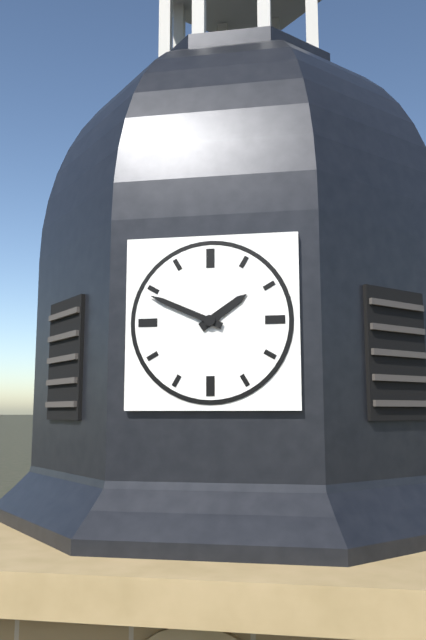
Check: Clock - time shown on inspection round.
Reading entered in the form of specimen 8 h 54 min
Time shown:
1 h 49 min
